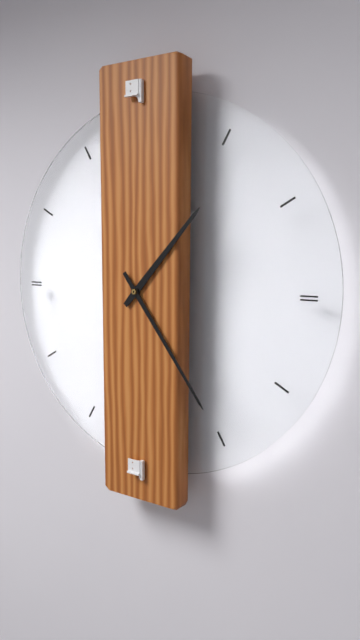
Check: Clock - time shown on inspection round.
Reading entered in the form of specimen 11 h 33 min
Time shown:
1 h 24 min
